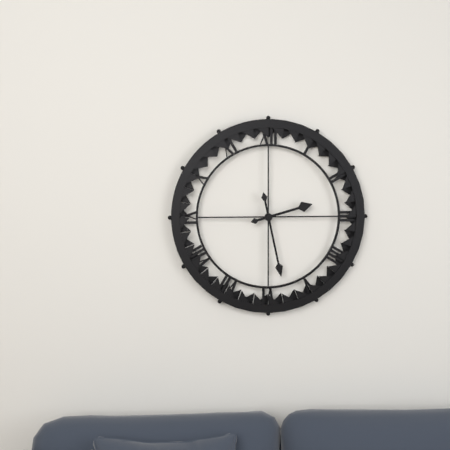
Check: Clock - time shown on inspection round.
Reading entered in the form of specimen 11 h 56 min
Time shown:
2 h 28 min
